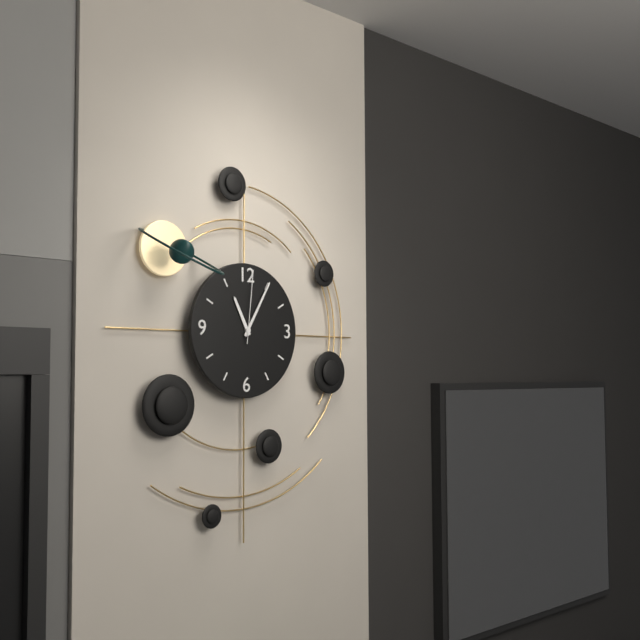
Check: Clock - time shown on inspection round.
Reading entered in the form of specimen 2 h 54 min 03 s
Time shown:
11 h 05 min 01 s
